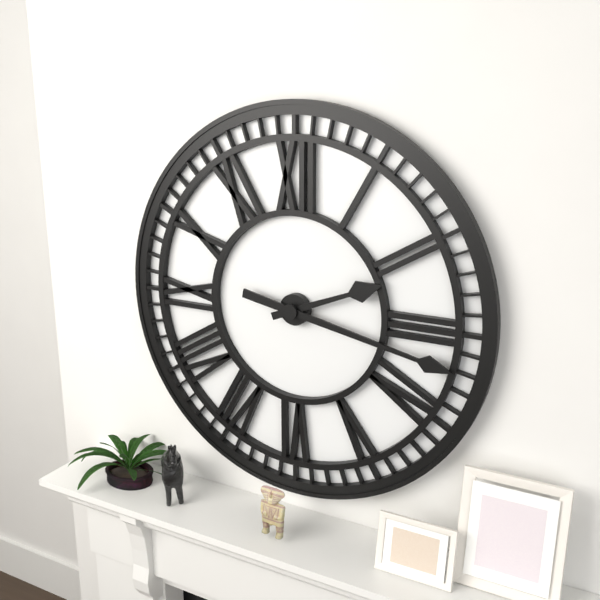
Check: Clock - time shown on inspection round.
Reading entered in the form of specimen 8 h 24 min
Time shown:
2 h 17 min
